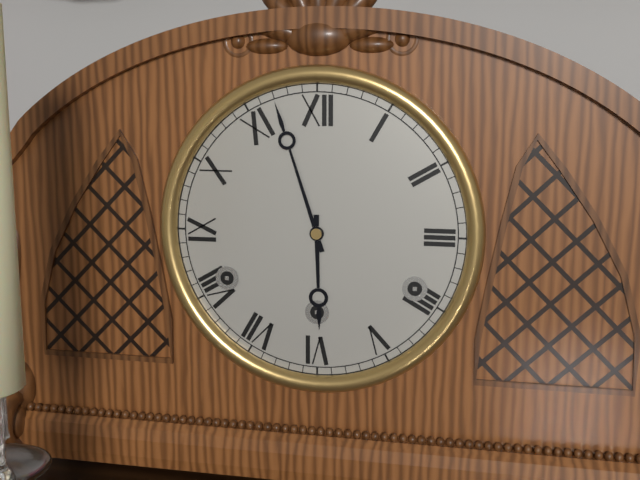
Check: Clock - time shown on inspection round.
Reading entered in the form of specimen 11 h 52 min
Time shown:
5 h 57 min
